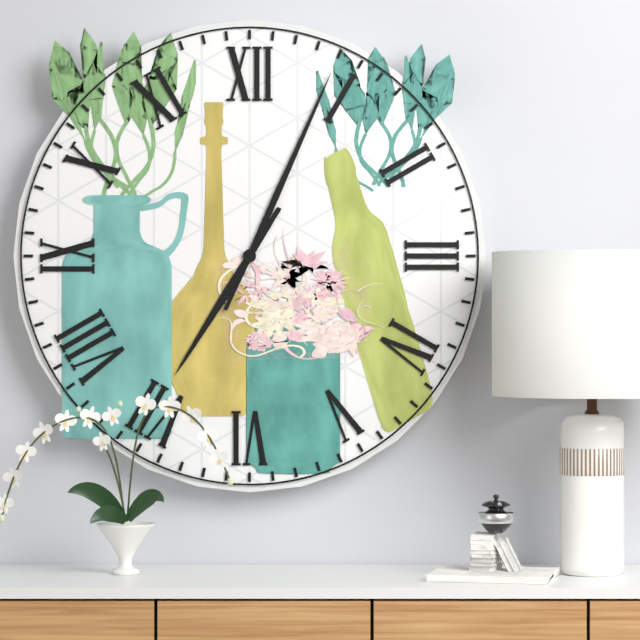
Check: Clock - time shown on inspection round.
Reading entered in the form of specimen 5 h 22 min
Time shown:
7 h 04 min
